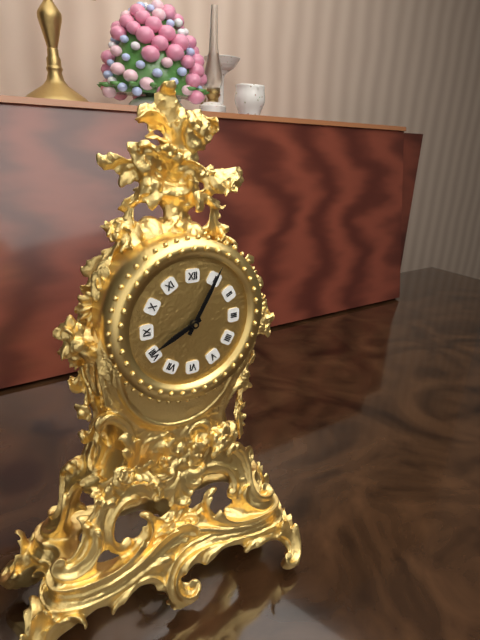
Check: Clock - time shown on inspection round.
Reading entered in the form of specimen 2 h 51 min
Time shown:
8 h 05 min
